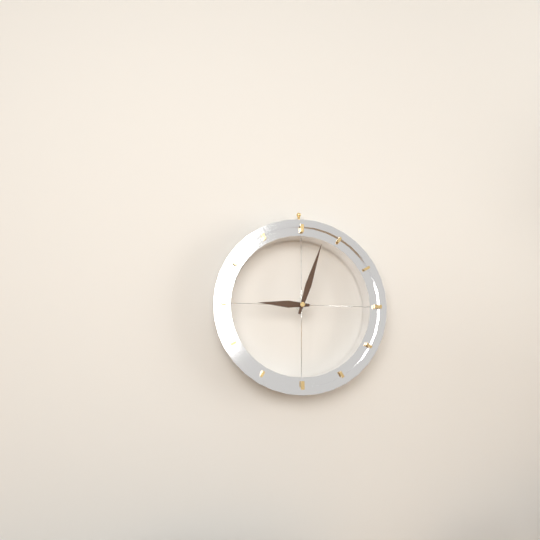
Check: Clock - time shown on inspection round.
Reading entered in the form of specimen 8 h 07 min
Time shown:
9 h 03 min
